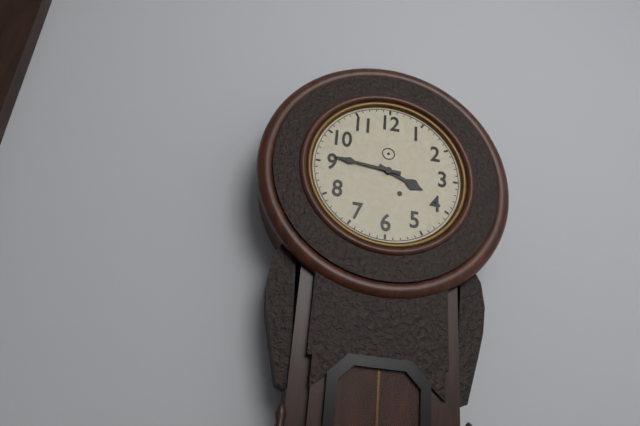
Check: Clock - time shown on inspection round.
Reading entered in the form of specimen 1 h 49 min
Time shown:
3 h 46 min
